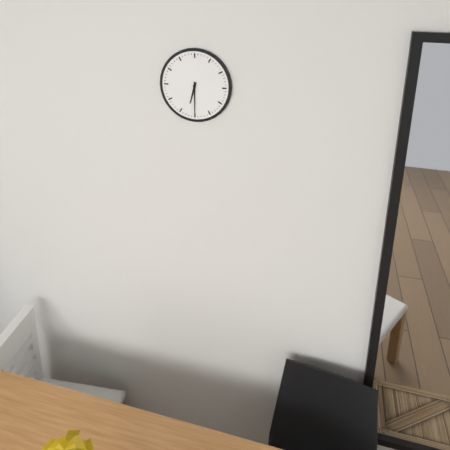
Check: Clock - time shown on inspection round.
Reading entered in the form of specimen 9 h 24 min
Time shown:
6 h 30 min
